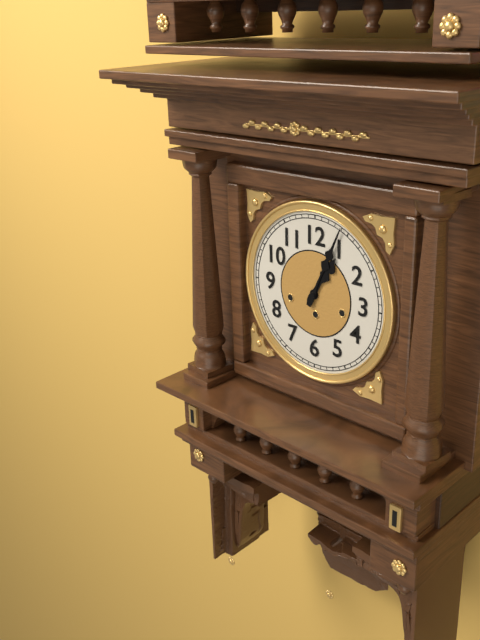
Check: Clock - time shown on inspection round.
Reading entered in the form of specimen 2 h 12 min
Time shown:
1 h 04 min
